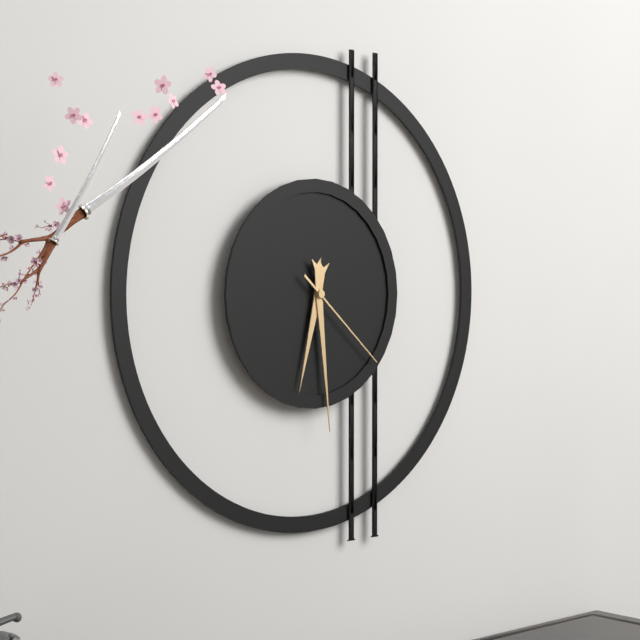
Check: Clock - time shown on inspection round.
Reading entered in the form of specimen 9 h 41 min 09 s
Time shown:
6 h 29 min 22 s
